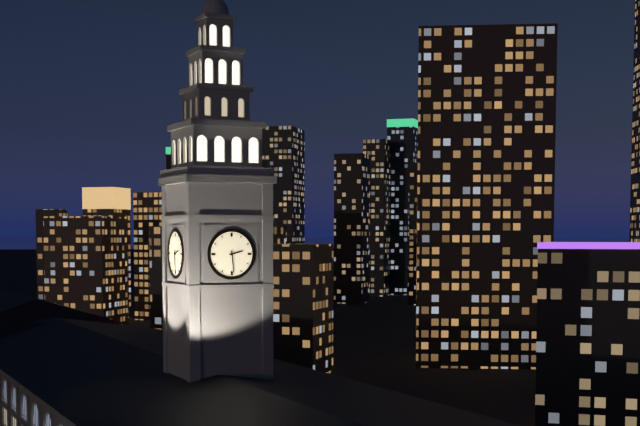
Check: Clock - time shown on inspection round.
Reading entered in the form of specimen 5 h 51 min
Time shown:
2 h 29 min
